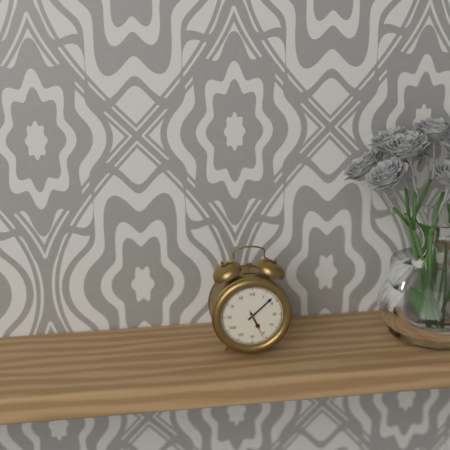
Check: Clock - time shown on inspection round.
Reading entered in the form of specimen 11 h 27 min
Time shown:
5 h 08 min
